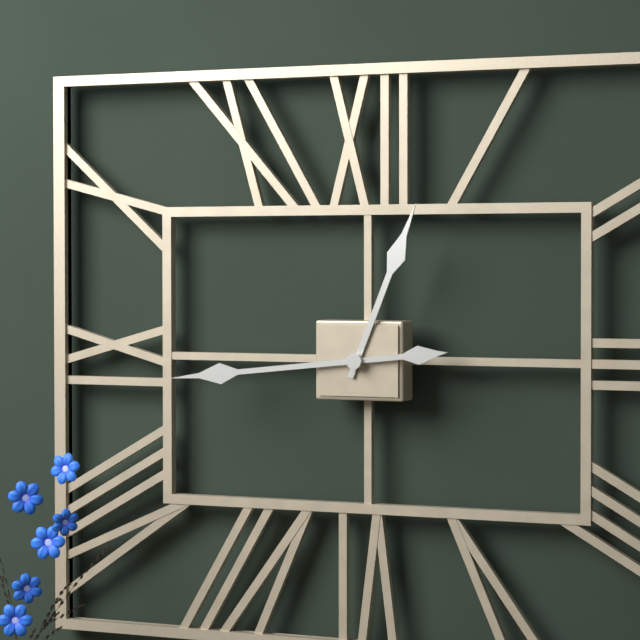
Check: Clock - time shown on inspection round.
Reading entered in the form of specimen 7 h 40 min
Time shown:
12 h 44 min
